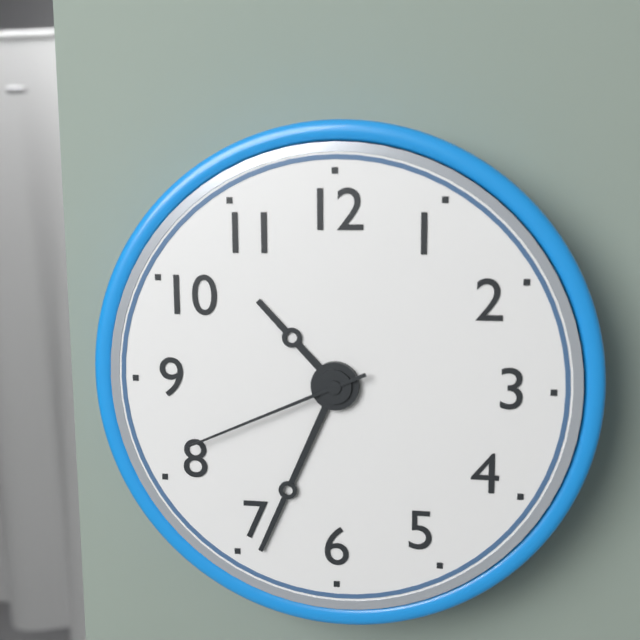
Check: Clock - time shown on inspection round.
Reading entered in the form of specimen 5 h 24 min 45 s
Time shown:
10 h 34 min 41 s
